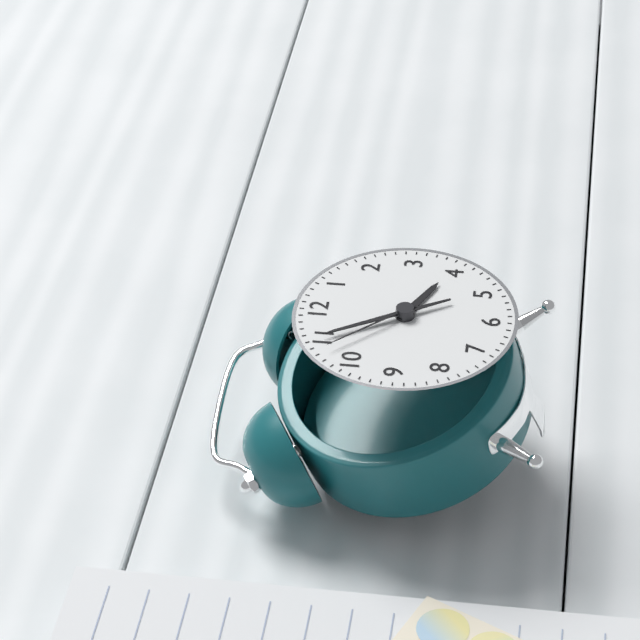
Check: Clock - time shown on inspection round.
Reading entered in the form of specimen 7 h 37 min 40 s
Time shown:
3 h 55 min 53 s
